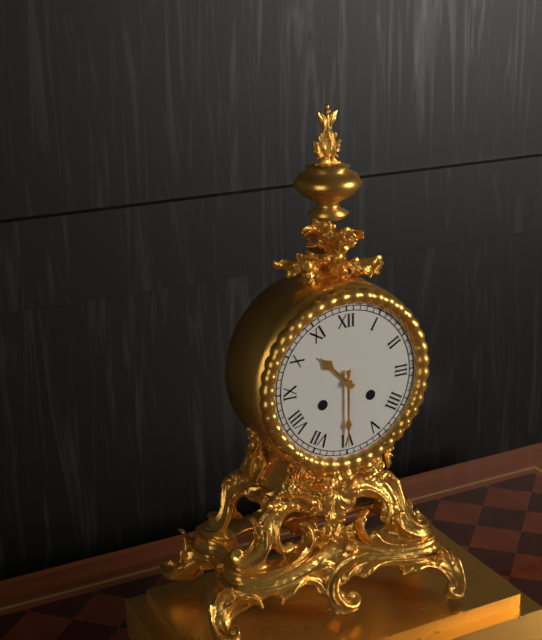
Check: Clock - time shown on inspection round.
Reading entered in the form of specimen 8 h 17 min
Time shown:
10 h 30 min
